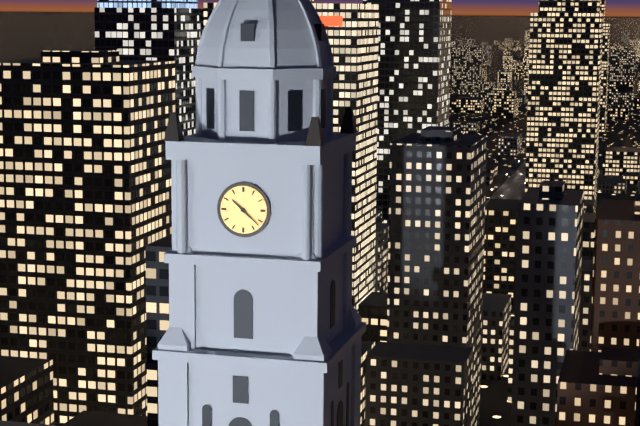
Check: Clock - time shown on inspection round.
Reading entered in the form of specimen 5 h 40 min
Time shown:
10 h 22 min
